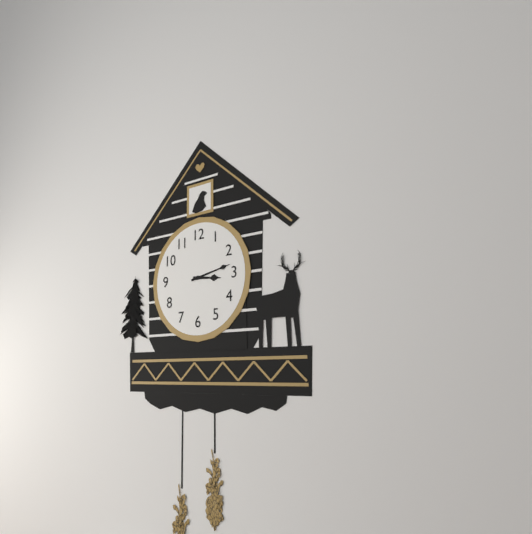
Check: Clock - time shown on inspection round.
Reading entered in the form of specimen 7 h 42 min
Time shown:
3 h 13 min
